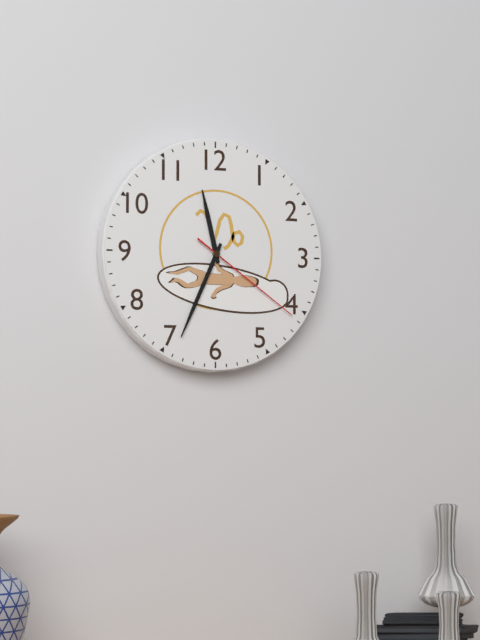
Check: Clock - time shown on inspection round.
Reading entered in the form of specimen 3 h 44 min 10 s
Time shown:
11 h 34 min 21 s
